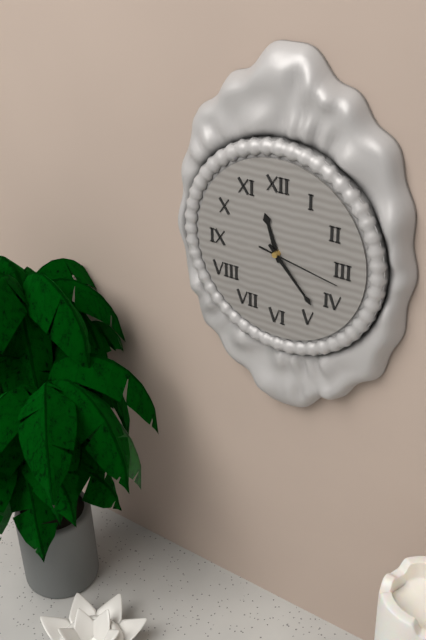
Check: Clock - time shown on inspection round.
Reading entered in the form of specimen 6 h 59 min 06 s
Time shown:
11 h 23 min 17 s
